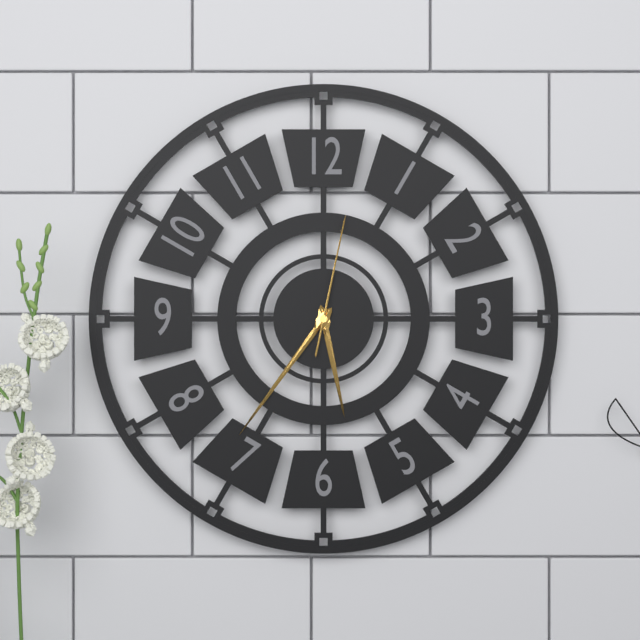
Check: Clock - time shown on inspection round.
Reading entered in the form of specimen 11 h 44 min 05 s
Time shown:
5 h 36 min 02 s
